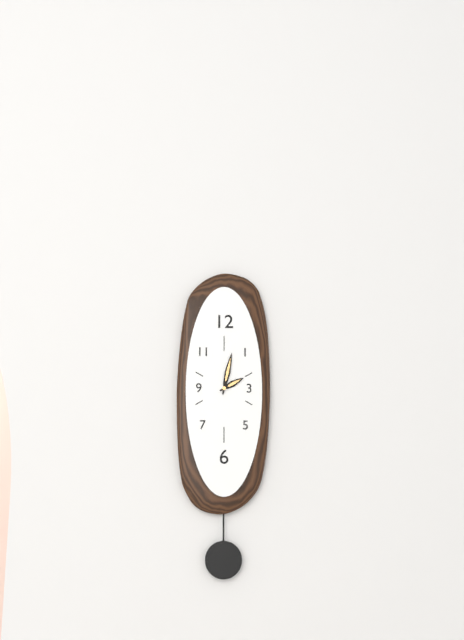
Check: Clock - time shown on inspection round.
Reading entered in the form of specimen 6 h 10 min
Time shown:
2 h 02 min
